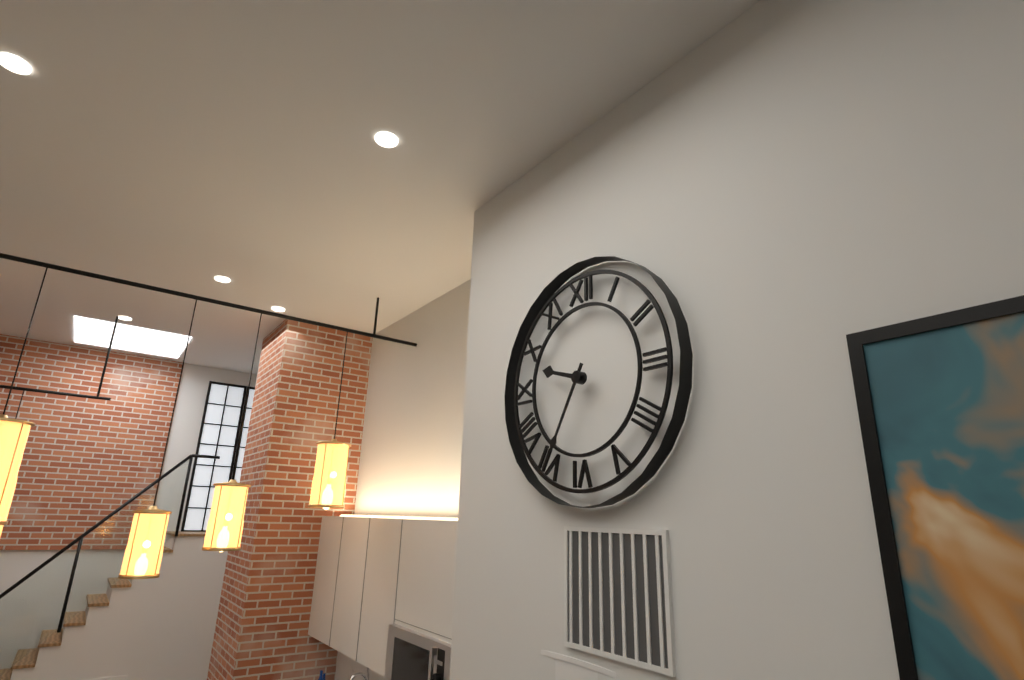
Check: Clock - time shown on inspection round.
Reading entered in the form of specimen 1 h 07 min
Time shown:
9 h 35 min
